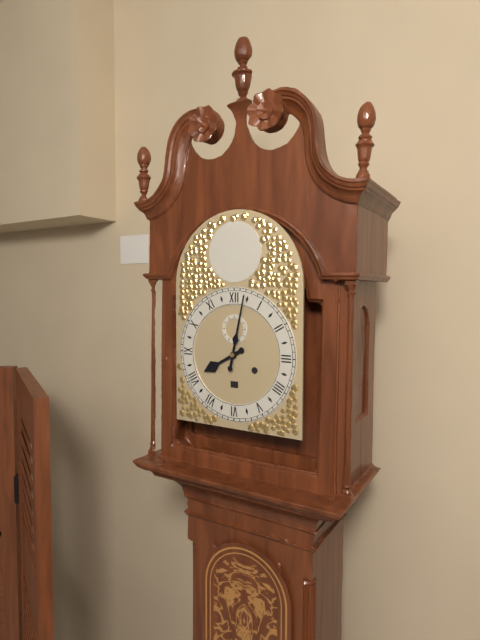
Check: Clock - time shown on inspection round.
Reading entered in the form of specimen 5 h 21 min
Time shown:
8 h 02 min
